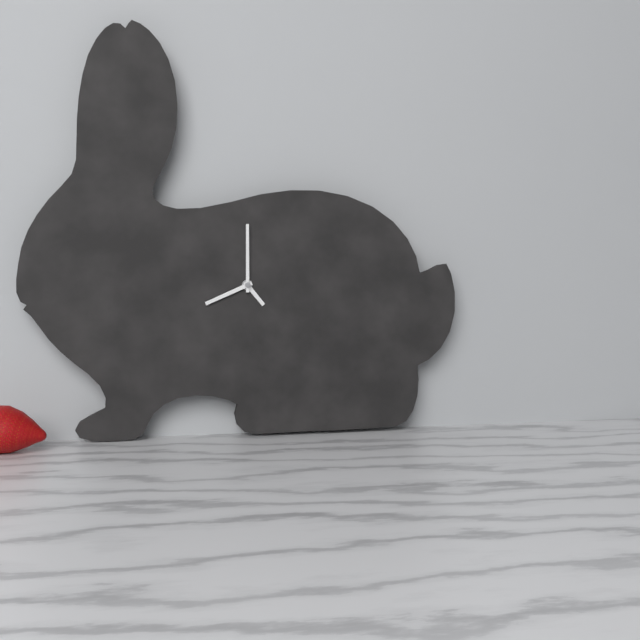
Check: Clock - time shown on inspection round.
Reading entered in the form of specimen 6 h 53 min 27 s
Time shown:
4 h 41 min 00 s
